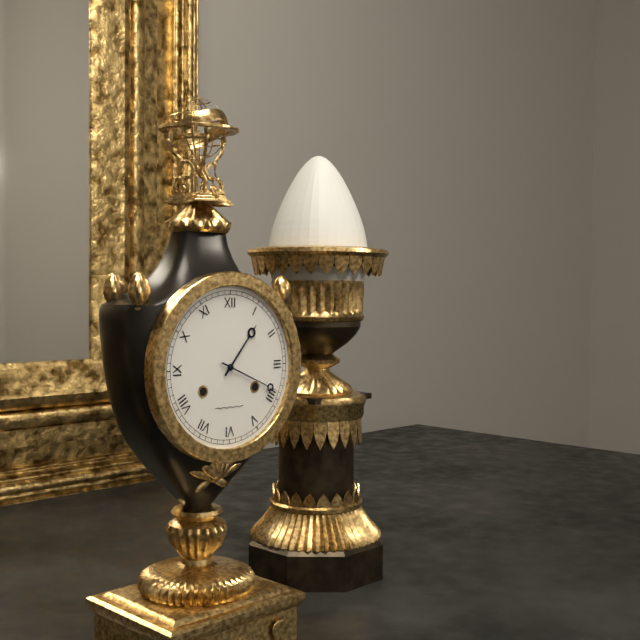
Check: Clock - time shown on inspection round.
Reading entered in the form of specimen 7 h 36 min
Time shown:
1 h 19 min
